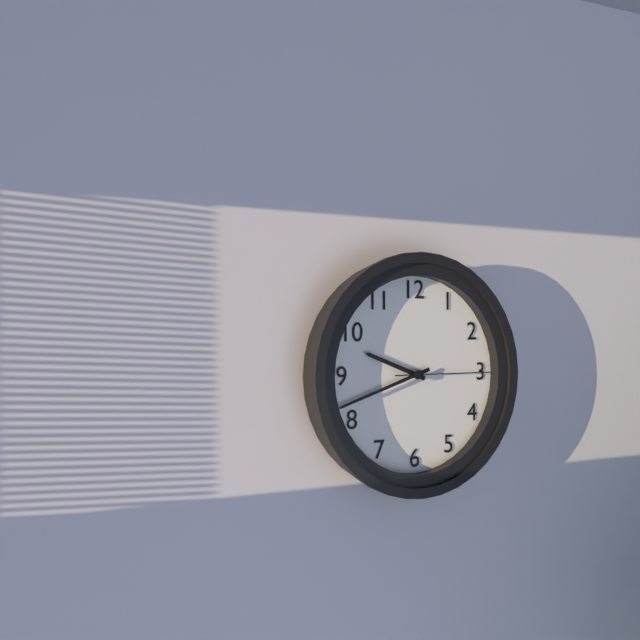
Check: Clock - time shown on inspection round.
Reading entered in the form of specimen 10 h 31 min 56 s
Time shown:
9 h 42 min 15 s
